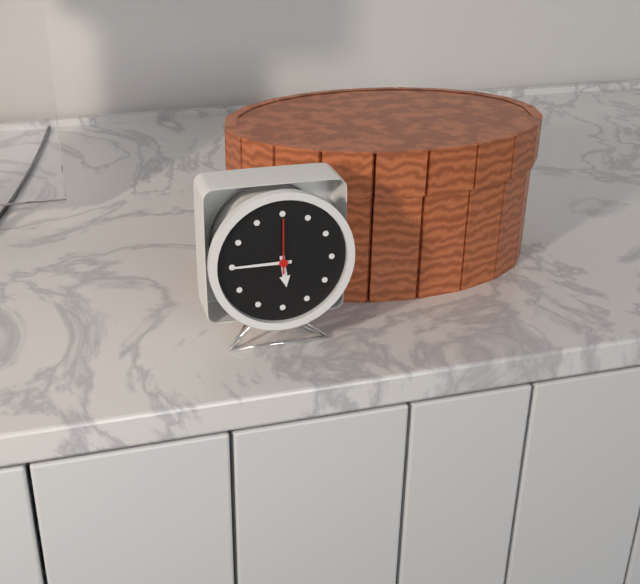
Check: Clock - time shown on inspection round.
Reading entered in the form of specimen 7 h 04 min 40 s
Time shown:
5 h 45 min 00 s
